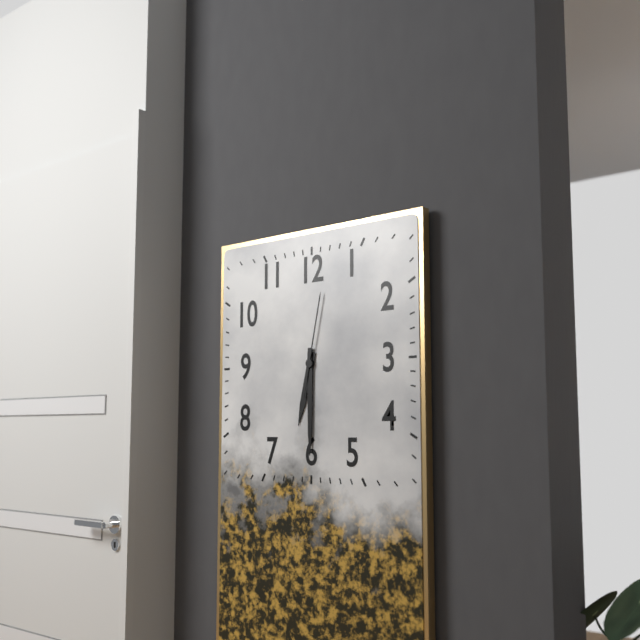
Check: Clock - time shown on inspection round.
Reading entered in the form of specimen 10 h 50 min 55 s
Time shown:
6 h 30 min 02 s
